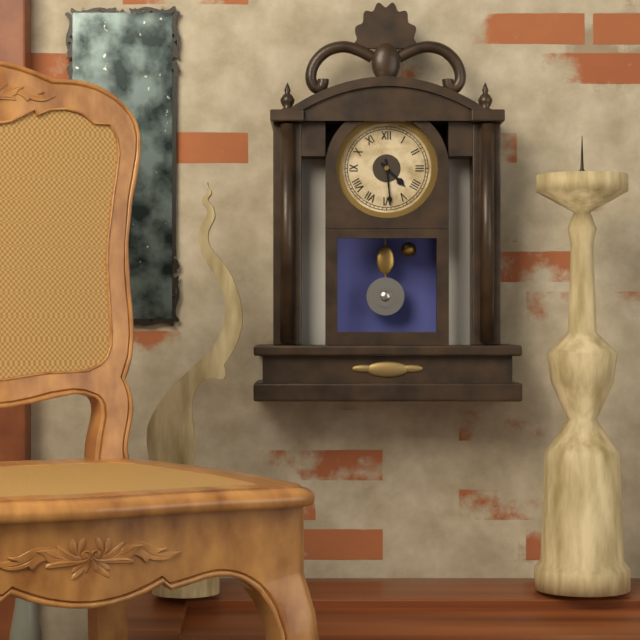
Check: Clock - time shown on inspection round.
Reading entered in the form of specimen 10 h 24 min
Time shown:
4 h 29 min
